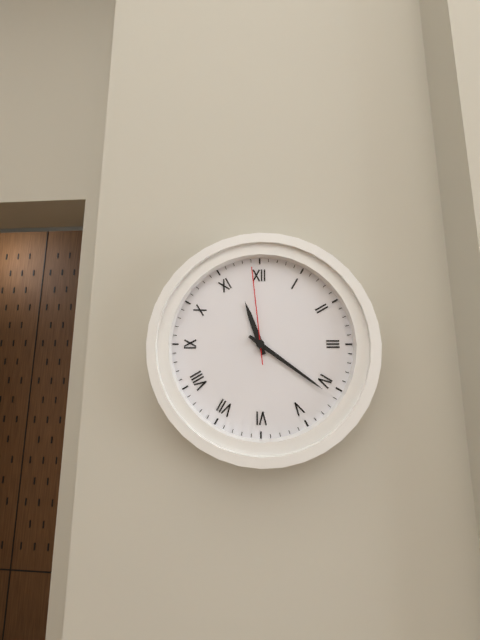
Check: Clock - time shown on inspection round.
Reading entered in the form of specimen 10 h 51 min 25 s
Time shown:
11 h 21 min 59 s
